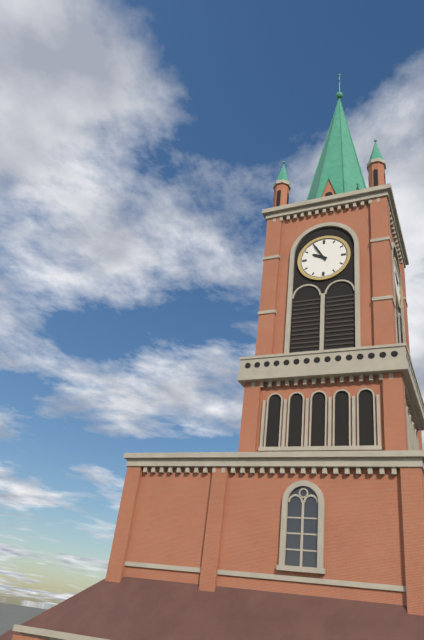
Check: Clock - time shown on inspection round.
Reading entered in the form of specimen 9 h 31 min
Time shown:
9 h 55 min
